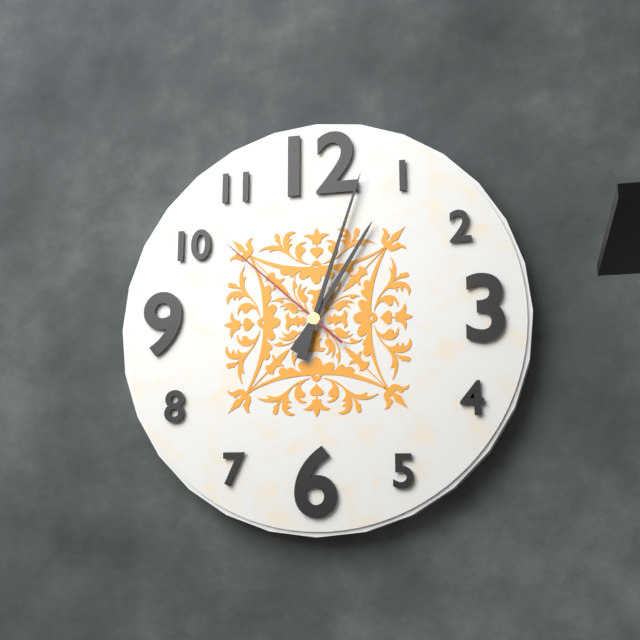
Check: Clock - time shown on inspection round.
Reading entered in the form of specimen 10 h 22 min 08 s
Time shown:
1 h 03 min 52 s
